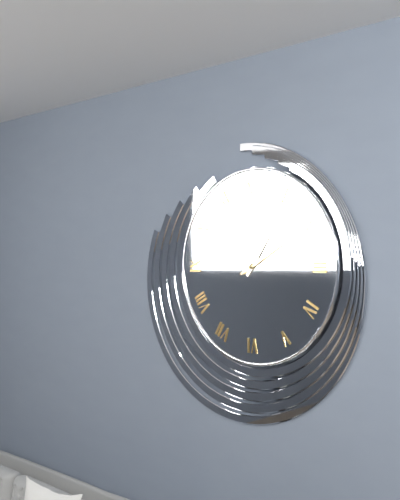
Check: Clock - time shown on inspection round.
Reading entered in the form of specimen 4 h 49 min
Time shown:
1 h 10 min
